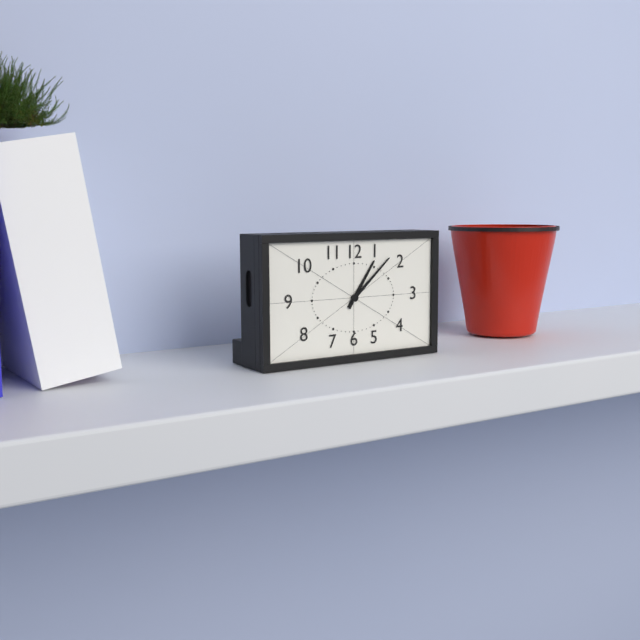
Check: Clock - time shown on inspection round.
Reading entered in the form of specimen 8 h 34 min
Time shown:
1 h 08 min
